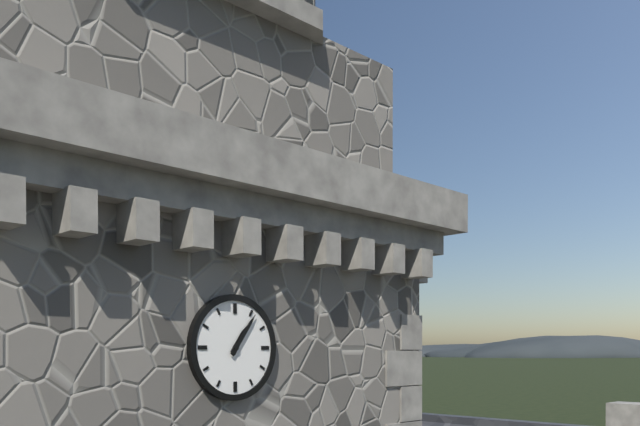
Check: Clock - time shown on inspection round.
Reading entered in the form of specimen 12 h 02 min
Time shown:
1 h 06 min
